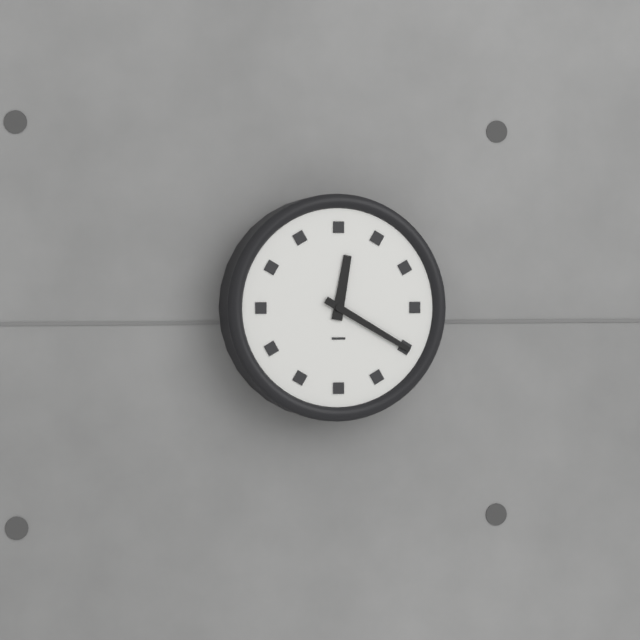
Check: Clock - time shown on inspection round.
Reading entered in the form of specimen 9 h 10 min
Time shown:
12 h 20 min
